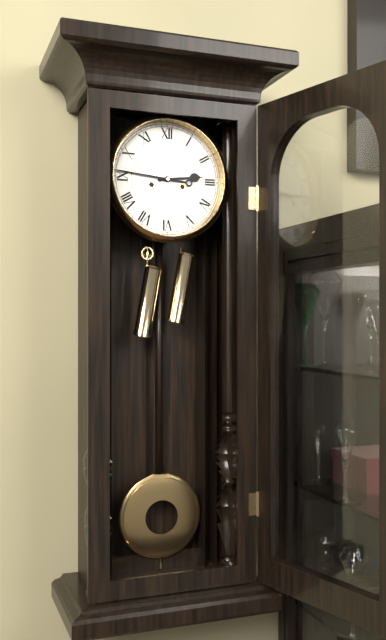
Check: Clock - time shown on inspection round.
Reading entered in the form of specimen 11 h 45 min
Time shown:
2 h 46 min
